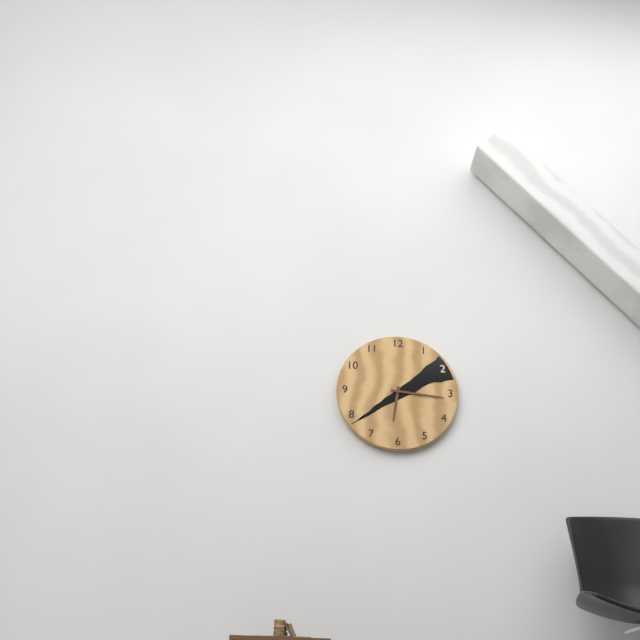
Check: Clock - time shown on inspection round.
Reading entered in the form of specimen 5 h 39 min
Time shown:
6 h 16 min
